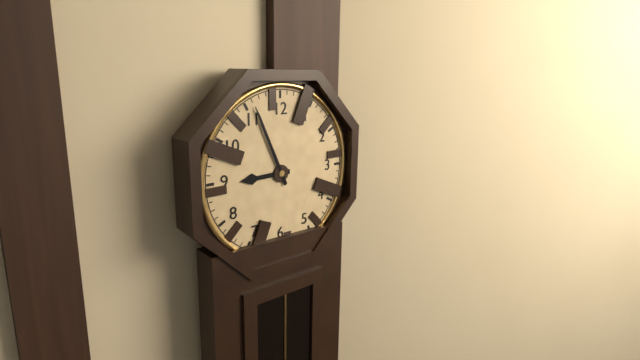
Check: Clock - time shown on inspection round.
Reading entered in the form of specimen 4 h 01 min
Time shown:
8 h 56 min
